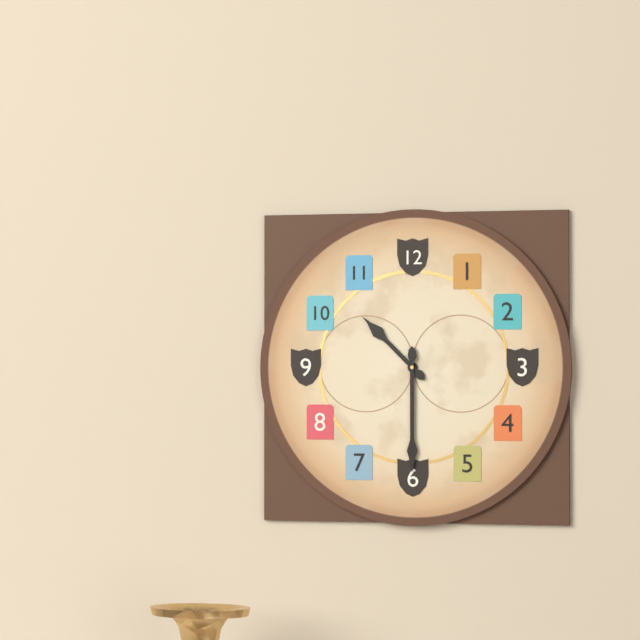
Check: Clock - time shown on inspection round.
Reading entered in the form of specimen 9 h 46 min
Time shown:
10 h 30 min
